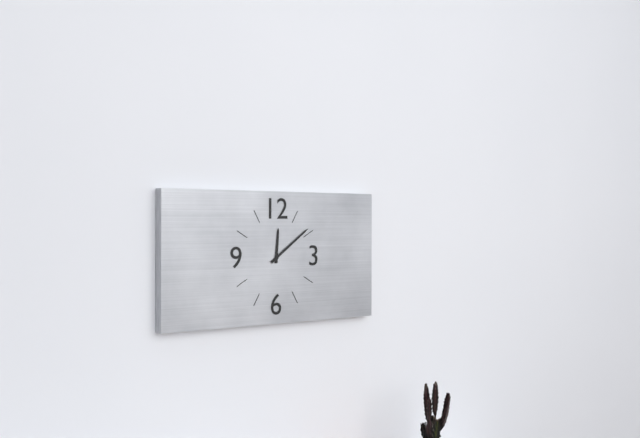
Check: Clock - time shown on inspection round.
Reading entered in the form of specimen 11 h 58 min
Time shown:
12 h 09 min
